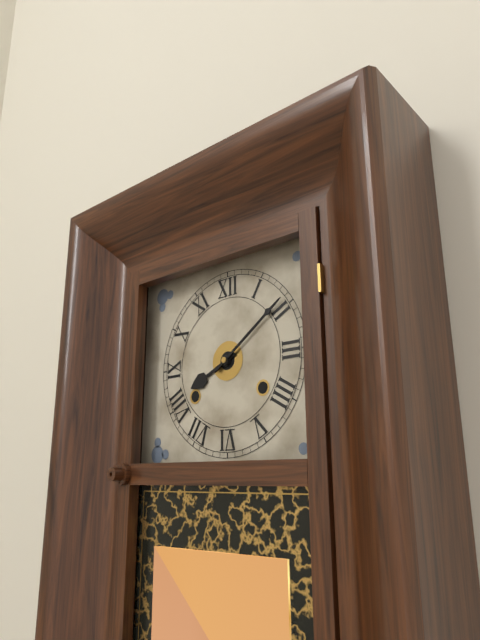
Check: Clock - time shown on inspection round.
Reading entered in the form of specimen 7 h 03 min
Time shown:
8 h 09 min
